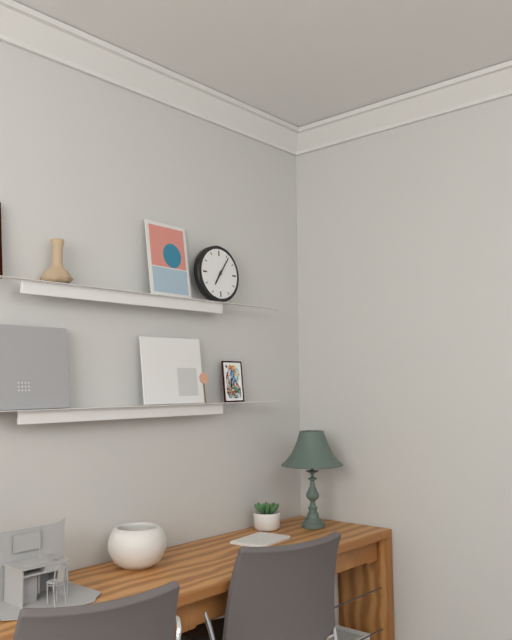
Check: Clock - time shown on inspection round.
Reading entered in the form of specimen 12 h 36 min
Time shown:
7 h 06 min
